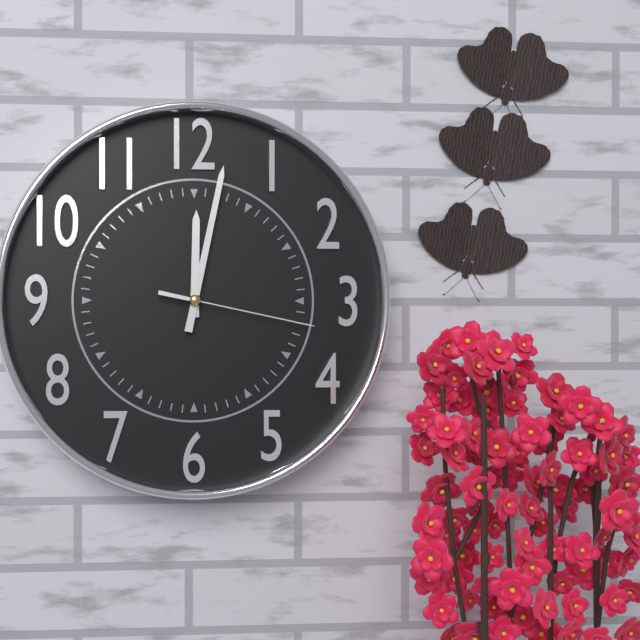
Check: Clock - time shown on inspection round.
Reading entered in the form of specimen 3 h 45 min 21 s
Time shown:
12 h 02 min 17 s
